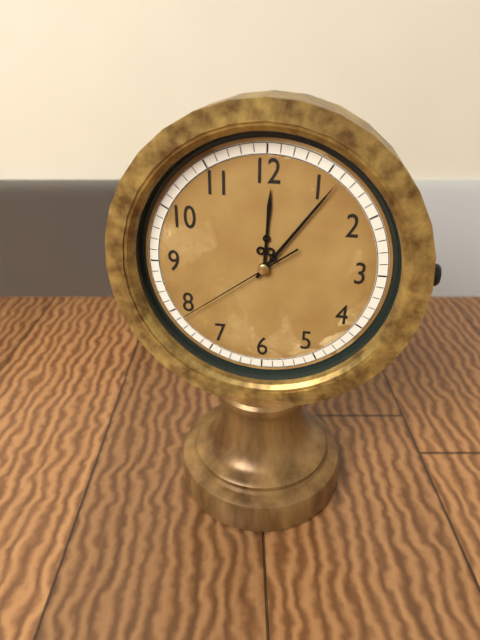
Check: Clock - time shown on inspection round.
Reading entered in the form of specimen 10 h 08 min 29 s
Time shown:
12 h 06 min 39 s
